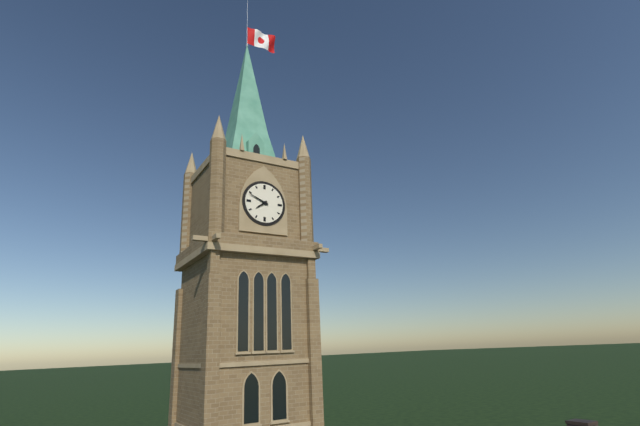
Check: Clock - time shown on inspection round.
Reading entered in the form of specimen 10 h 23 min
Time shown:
7 h 49 min
